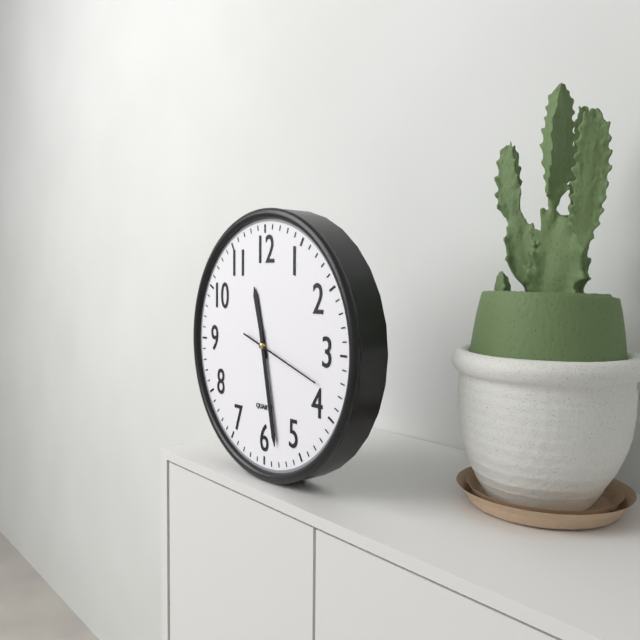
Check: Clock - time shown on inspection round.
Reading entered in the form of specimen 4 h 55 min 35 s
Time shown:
11 h 28 min 18 s
